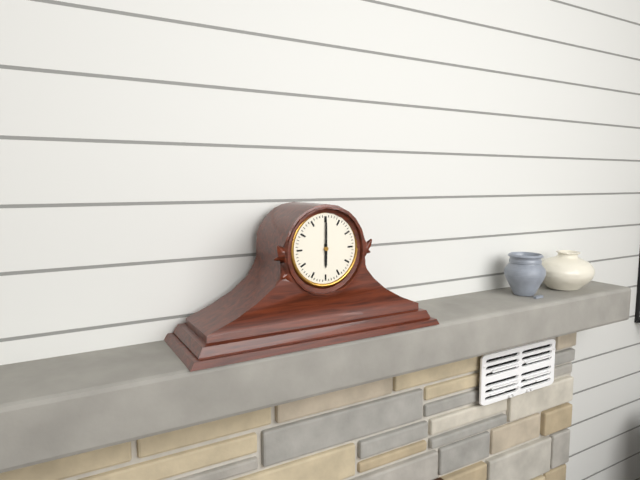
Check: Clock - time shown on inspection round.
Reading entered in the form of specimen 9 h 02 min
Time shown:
6 h 00 min
